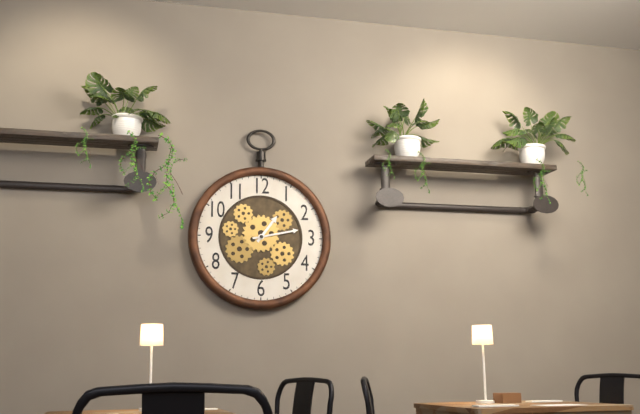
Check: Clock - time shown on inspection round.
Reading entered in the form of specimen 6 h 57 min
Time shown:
1 h 13 min
